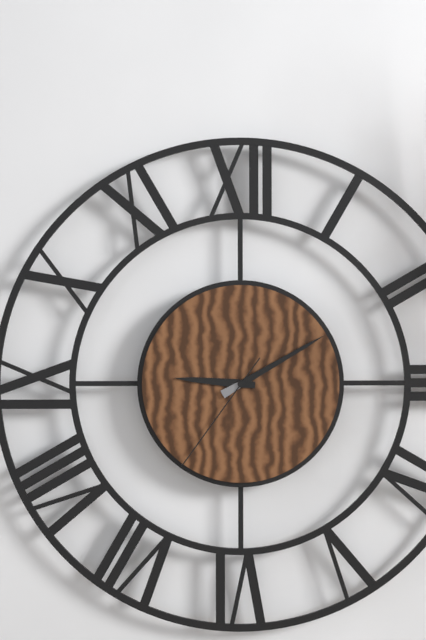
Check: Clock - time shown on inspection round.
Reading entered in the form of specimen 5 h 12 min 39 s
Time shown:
9 h 10 min 36 s
